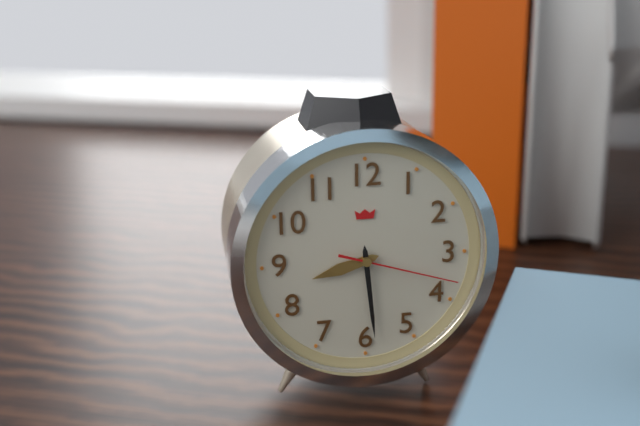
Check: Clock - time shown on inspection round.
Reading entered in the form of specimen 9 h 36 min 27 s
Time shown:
8 h 29 min 18 s
